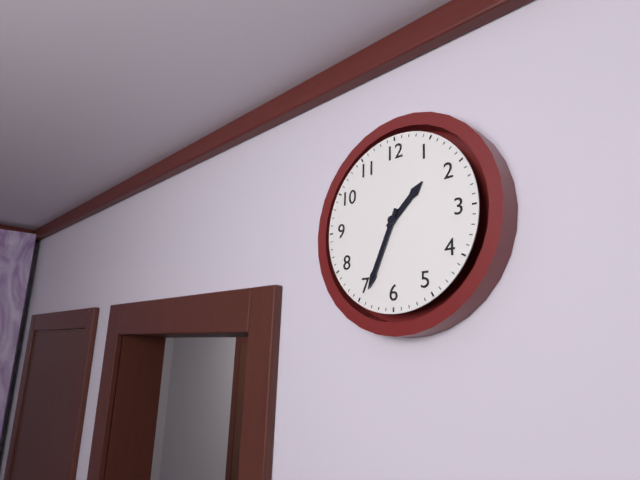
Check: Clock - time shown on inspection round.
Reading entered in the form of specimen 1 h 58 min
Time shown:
1 h 34 min
